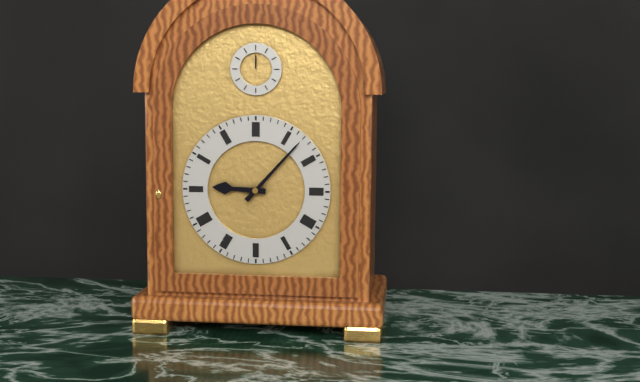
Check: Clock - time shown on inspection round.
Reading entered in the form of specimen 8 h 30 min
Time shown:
9 h 07 min
